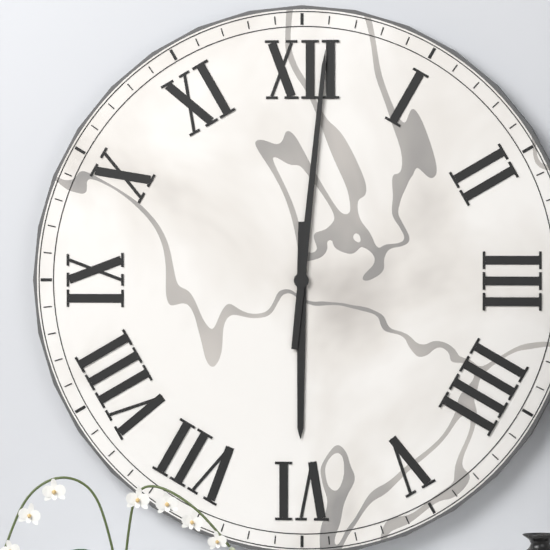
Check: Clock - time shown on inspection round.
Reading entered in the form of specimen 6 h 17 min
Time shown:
6 h 01 min
